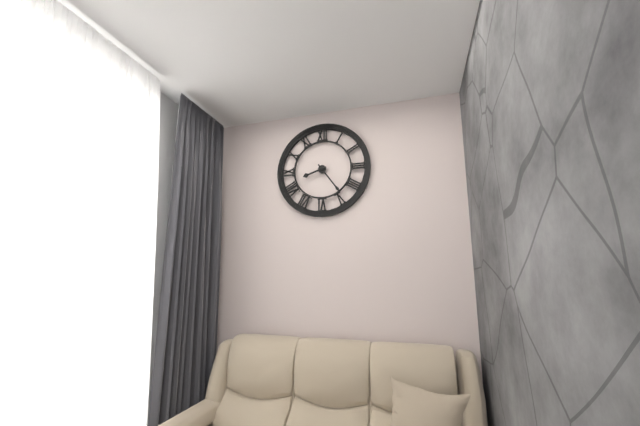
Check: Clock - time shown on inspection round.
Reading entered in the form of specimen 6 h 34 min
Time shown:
8 h 24 min
